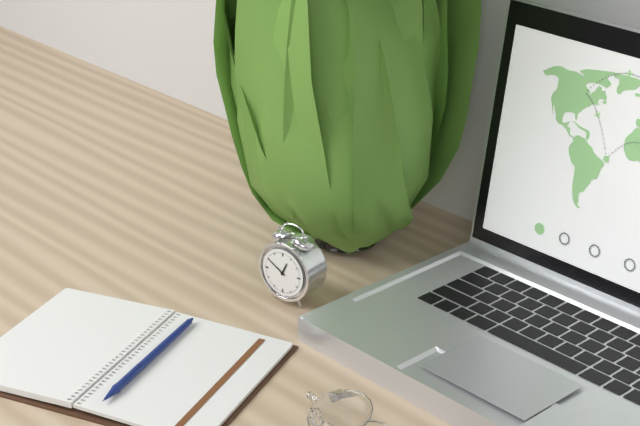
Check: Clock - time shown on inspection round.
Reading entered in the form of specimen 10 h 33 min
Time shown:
12 h 50 min
